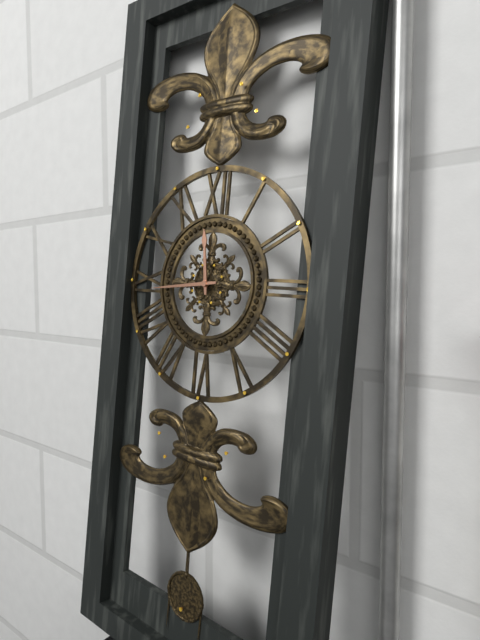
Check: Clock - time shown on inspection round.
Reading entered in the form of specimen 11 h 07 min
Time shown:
11 h 44 min
